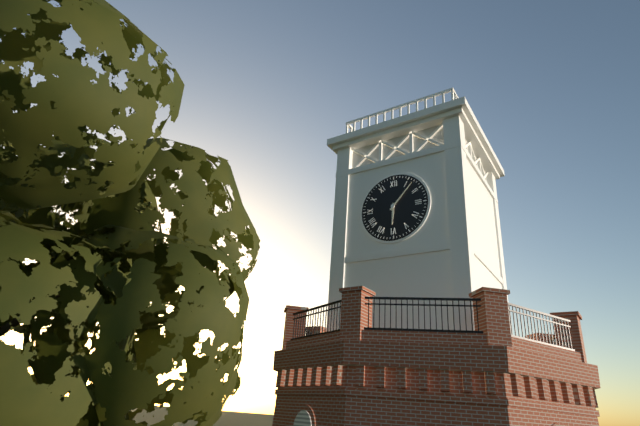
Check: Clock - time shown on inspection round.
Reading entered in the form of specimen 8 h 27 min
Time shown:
6 h 07 min
